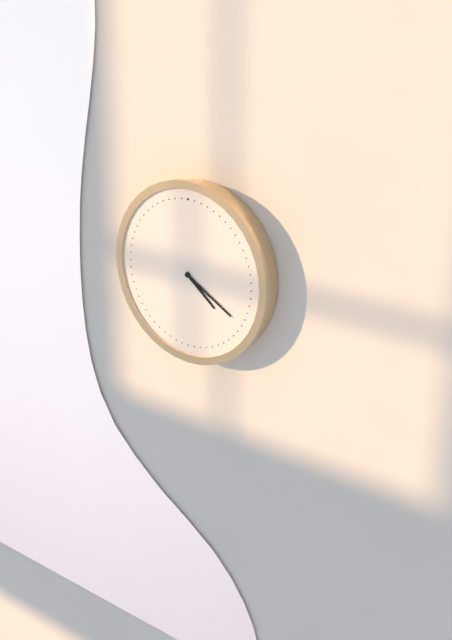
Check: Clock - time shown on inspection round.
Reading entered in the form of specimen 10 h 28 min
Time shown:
4 h 20 min
